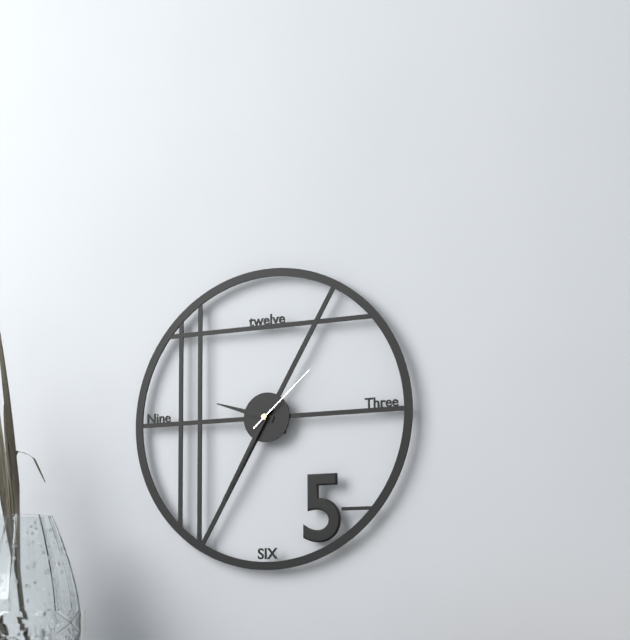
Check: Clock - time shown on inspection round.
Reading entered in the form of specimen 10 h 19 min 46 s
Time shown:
9 h 35 min 08 s
